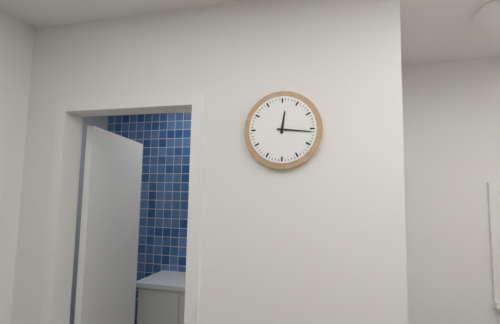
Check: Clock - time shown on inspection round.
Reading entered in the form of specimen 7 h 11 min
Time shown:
12 h 16 min
